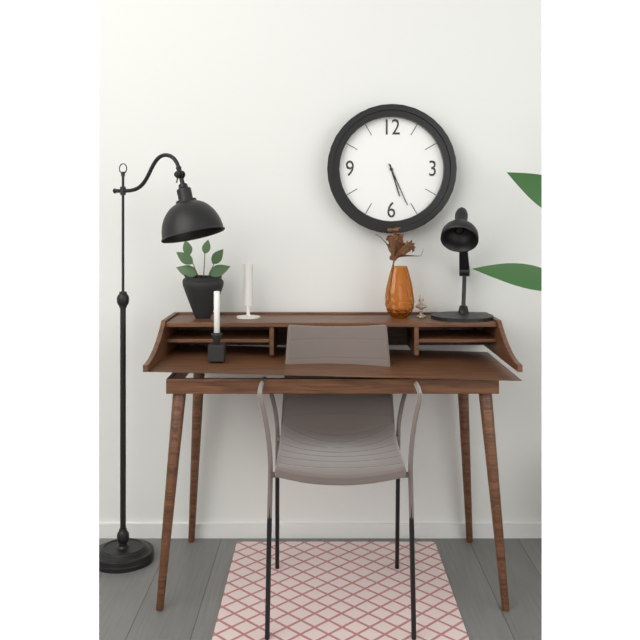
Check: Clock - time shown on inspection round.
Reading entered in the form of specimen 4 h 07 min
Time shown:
5 h 26 min
